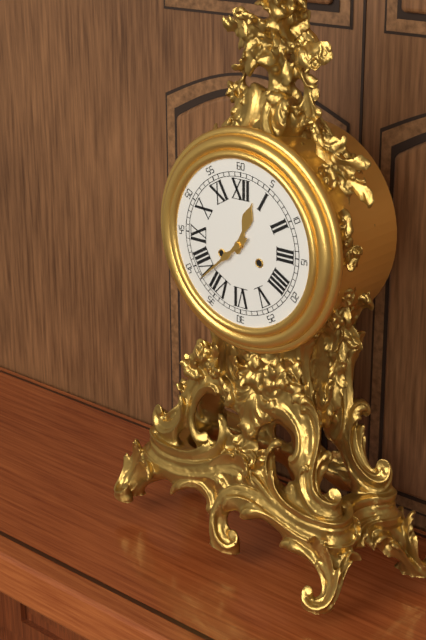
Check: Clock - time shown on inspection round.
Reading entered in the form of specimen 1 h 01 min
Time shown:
12 h 38 min
